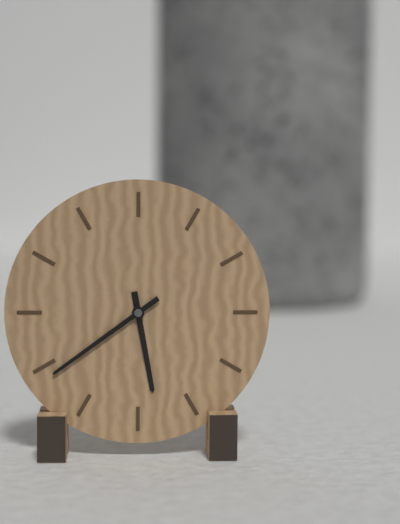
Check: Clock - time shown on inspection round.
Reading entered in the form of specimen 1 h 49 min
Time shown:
5 h 39 min
